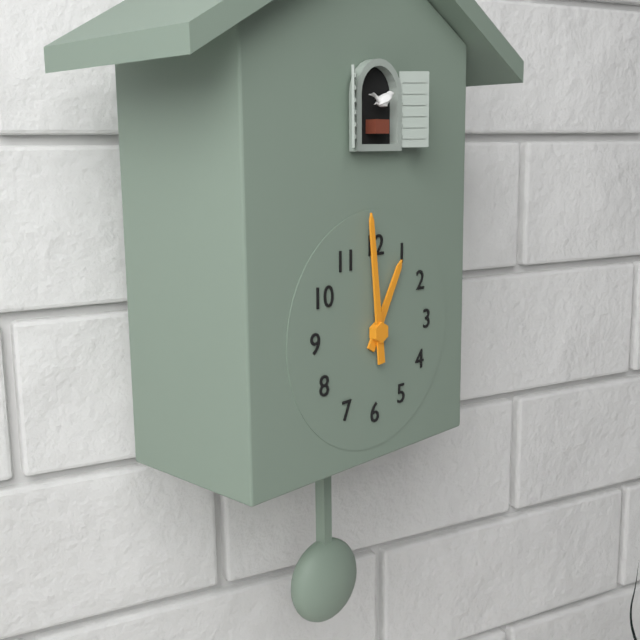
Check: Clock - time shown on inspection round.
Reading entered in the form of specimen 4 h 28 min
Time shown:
12 h 59 min
